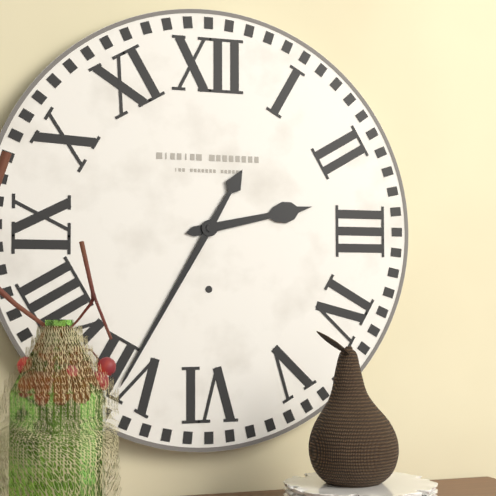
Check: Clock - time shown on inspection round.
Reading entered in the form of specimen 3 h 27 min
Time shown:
2 h 35 min
